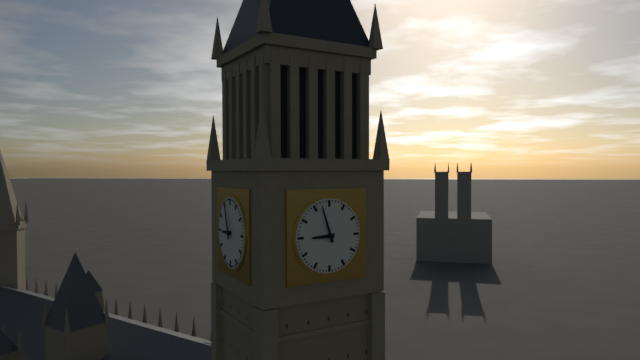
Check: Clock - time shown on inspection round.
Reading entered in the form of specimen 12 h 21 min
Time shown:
8 h 57 min
